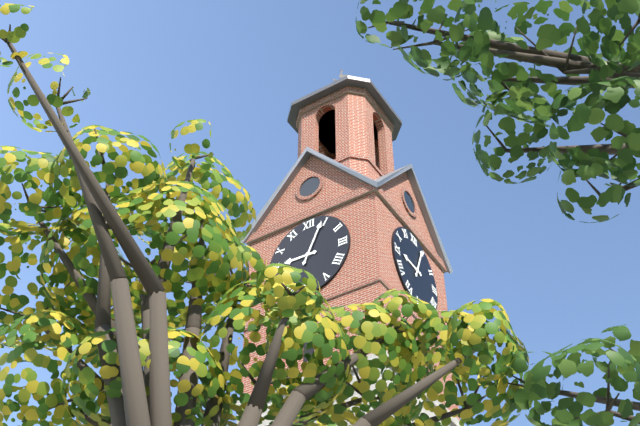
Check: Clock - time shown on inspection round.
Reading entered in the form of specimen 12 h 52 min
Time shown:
9 h 04 min
